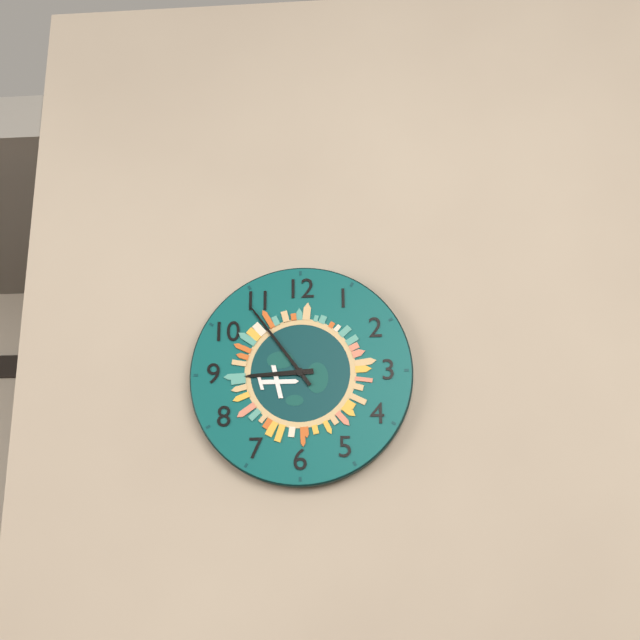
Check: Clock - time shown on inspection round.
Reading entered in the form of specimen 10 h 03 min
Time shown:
8 h 54 min
